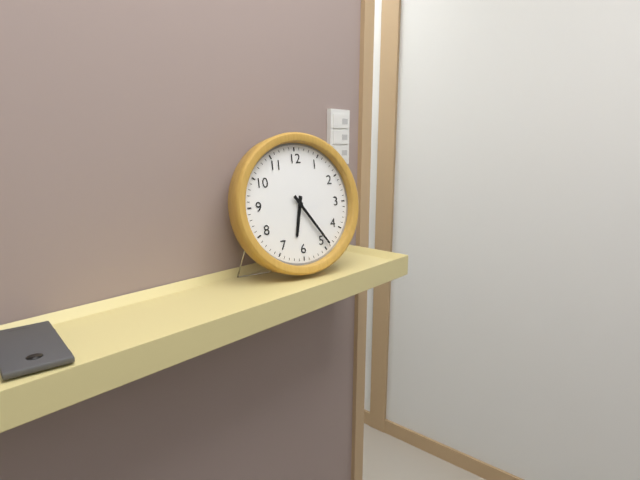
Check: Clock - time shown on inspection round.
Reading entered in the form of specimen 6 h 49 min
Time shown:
6 h 24 min
